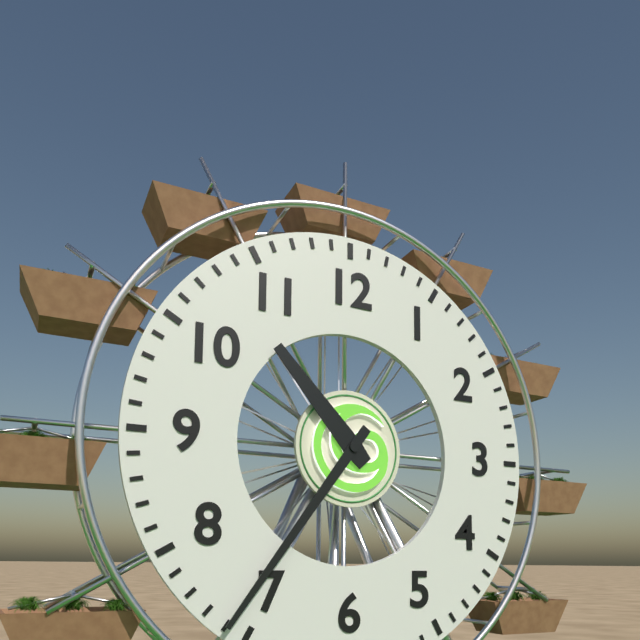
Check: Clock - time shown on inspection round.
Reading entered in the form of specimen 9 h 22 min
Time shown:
10 h 36 min
